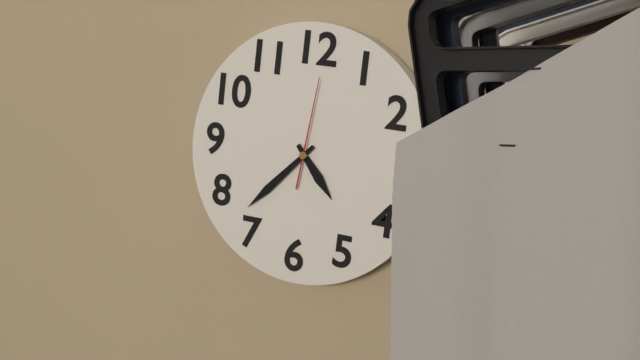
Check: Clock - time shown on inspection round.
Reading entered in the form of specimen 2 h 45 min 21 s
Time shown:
4 h 37 min 01 s
